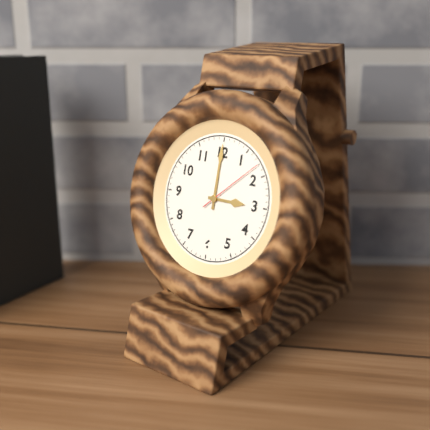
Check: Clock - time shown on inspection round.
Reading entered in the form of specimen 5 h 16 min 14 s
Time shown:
3 h 00 min 08 s
